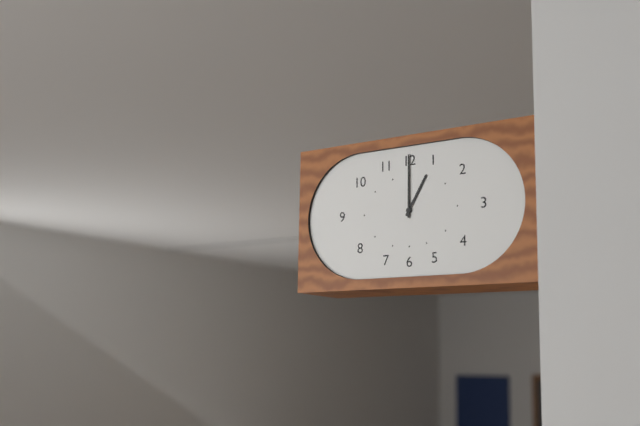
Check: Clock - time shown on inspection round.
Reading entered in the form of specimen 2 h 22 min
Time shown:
1 h 00 min
